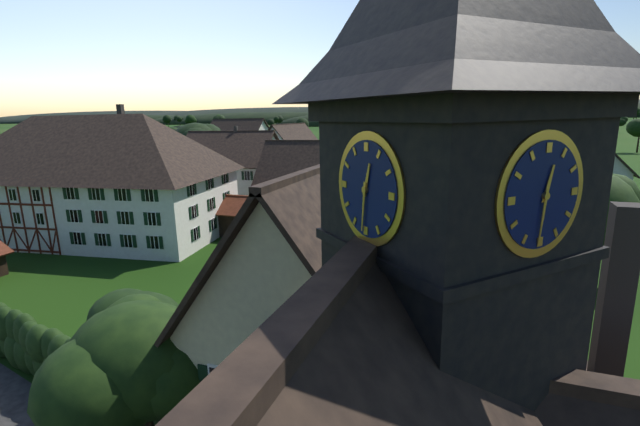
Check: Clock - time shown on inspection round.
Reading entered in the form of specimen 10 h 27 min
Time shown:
12 h 31 min
